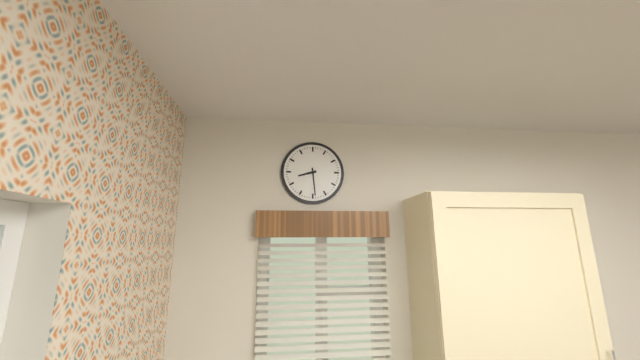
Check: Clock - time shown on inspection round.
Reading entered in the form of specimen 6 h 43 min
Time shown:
8 h 29 min
